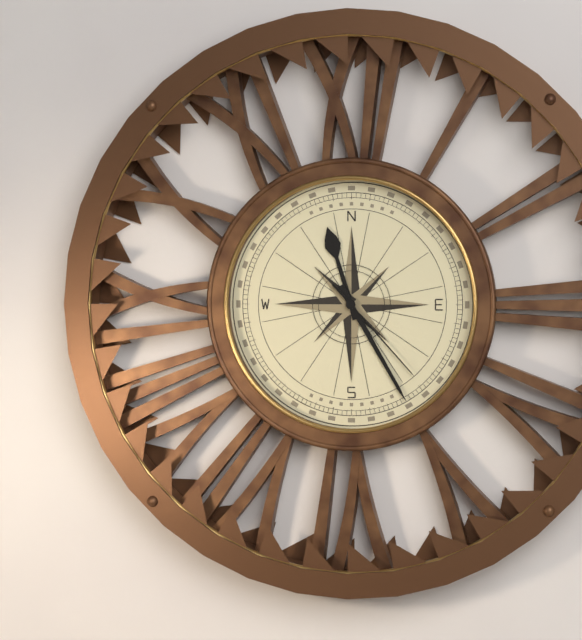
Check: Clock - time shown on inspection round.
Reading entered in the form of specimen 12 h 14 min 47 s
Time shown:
11 h 25 min 23 s
